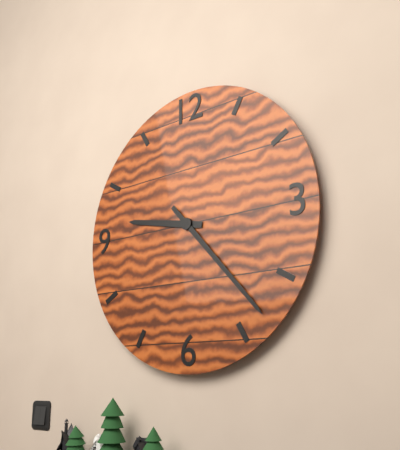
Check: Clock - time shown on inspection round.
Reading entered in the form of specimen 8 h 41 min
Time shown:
9 h 23 min
